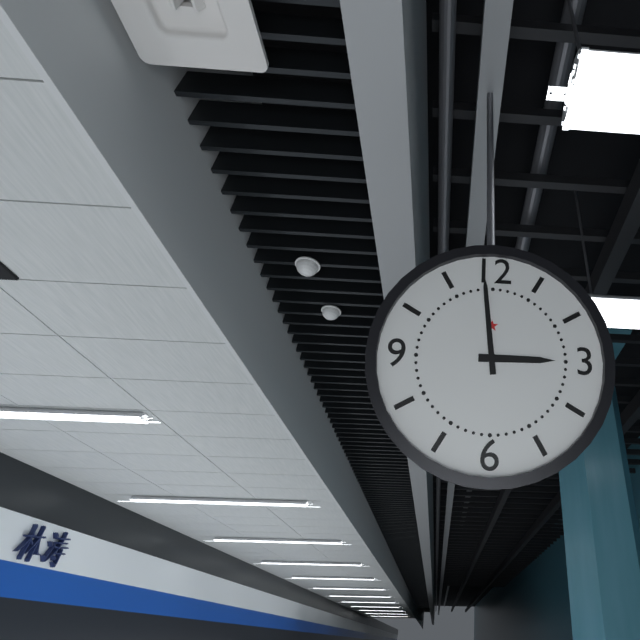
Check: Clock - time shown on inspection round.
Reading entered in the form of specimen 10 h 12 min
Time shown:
2 h 59 min
